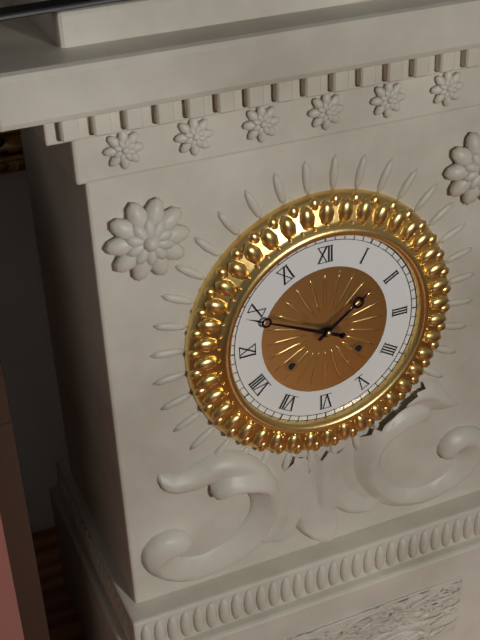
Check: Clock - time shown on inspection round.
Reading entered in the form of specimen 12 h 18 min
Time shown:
1 h 49 min
